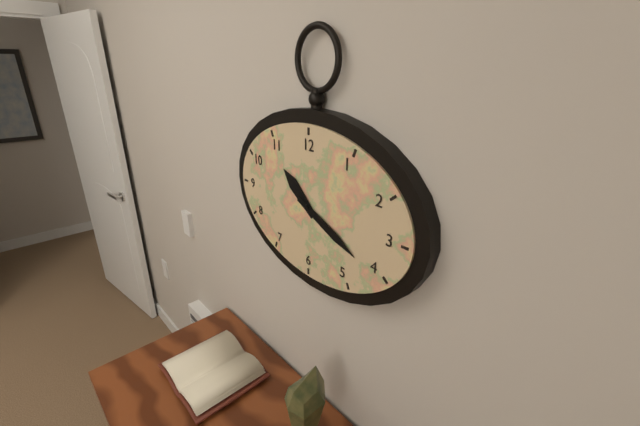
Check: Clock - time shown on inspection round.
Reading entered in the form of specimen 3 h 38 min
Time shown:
10 h 19 min
